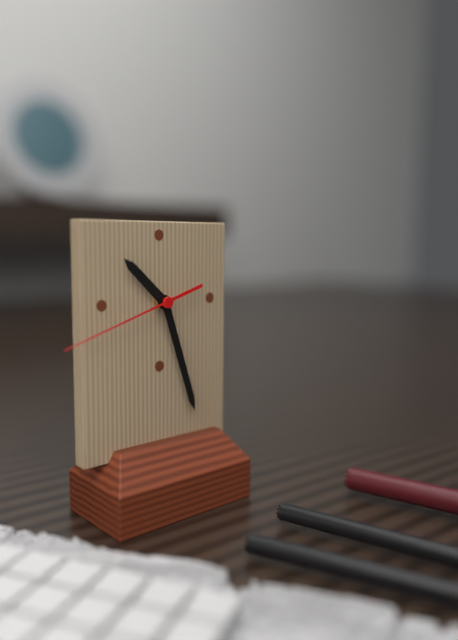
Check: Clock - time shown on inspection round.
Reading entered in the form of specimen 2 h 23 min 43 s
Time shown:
10 h 27 min 42 s
